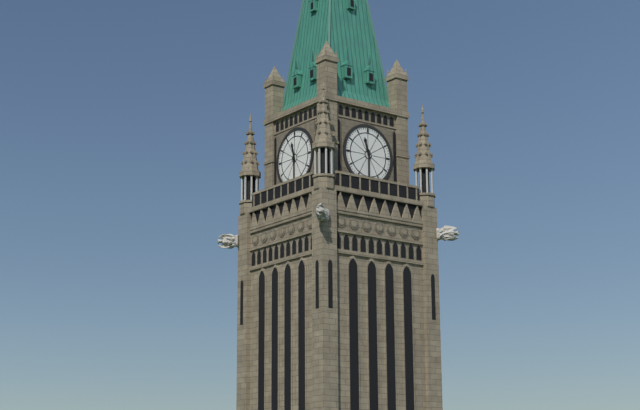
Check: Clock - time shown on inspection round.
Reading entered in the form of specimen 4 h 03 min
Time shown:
11 h 30 min
